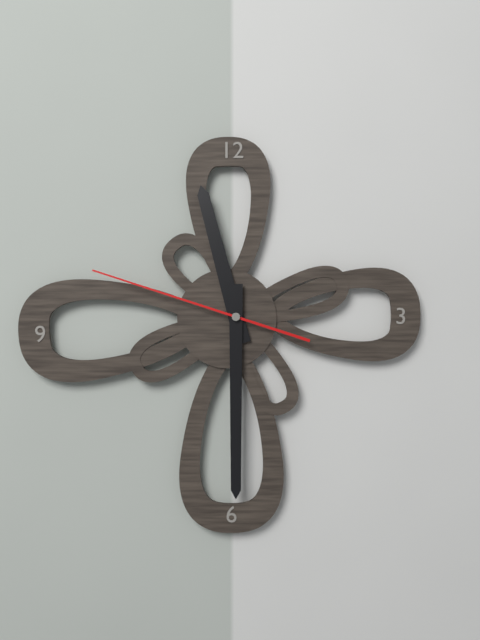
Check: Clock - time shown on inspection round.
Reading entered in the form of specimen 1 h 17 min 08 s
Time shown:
11 h 30 min 48 s
